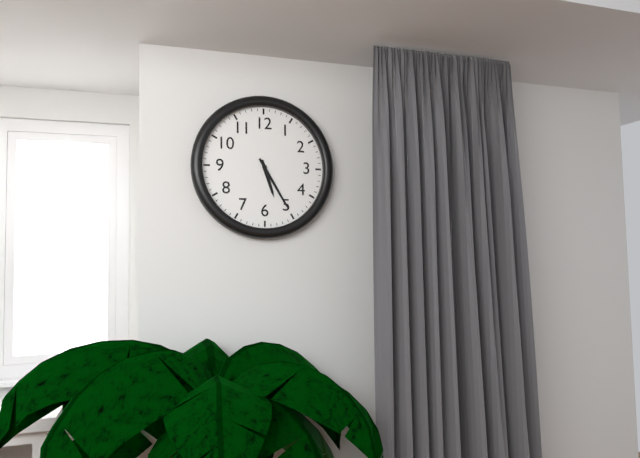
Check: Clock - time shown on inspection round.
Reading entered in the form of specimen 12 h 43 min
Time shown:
5 h 25 min
